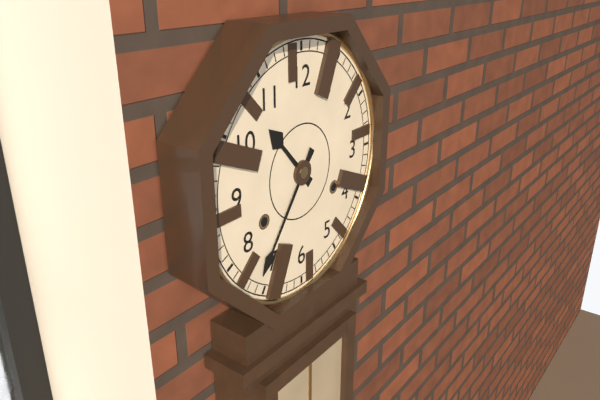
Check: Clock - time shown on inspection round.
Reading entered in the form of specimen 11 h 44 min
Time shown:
10 h 36 min
